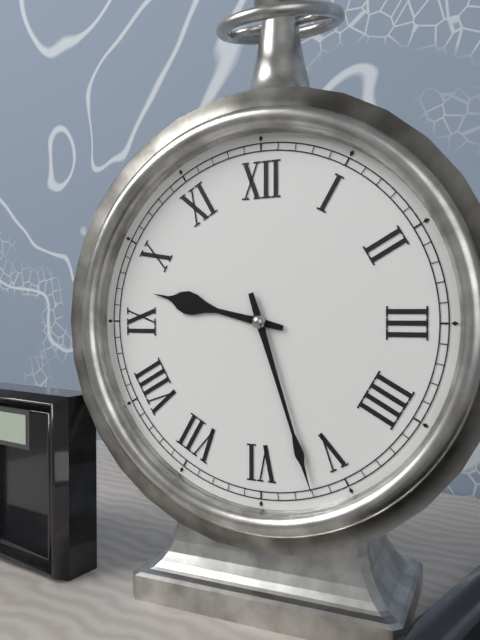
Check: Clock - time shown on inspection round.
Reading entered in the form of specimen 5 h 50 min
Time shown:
9 h 27 min
